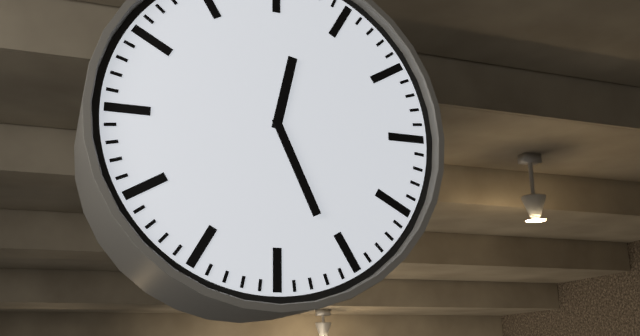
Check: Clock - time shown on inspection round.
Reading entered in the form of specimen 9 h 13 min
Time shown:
12 h 26 min
